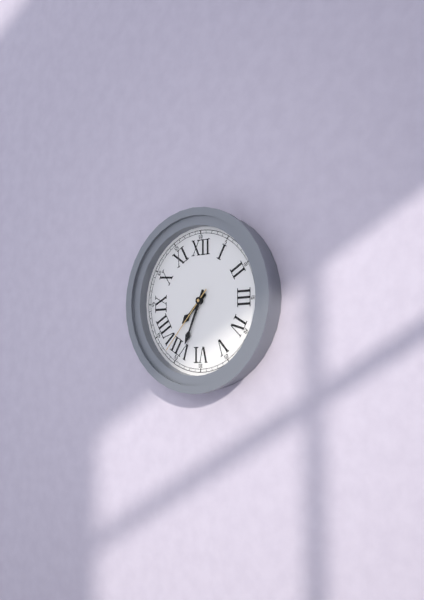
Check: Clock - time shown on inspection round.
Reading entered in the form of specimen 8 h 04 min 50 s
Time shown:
7 h 34 min 37 s
